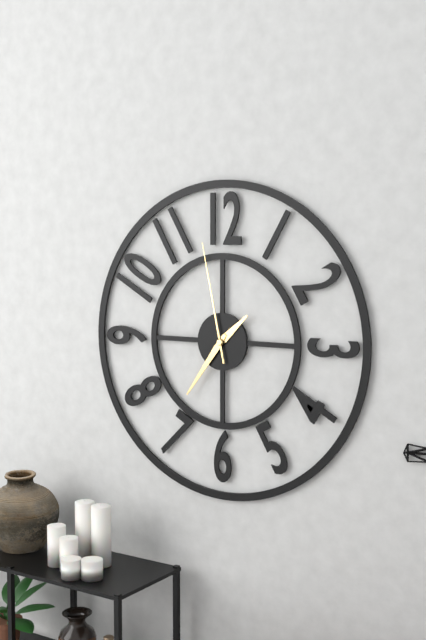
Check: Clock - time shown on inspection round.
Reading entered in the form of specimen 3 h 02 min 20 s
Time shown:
1 h 36 min 58 s
